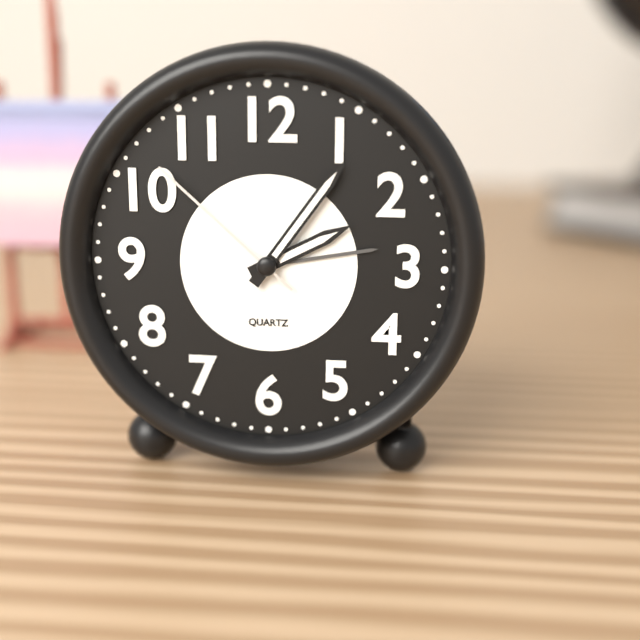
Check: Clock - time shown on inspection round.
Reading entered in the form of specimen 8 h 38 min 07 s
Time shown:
2 h 06 min 52 s
